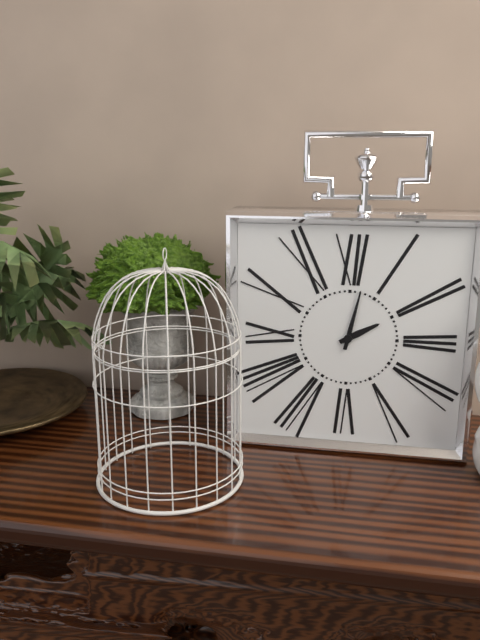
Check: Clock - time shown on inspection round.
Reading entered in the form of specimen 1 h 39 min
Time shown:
2 h 02 min
